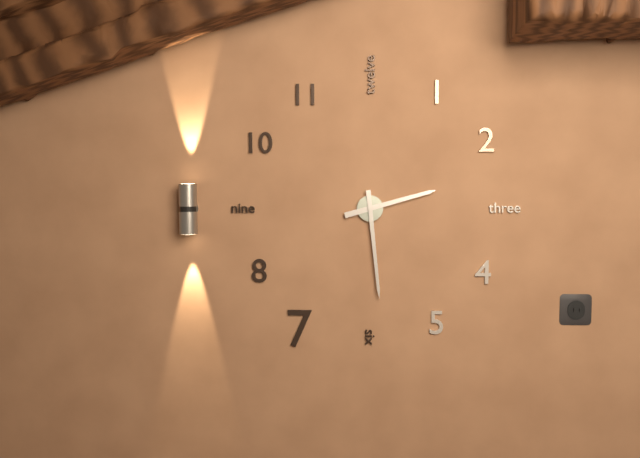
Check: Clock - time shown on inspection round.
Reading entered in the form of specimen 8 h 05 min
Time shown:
2 h 29 min
